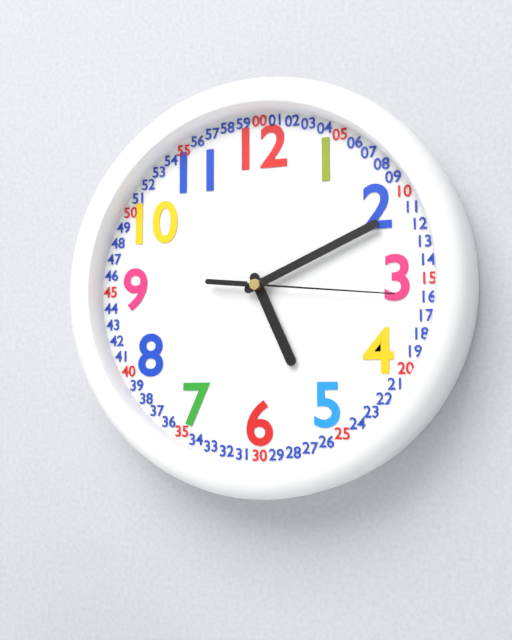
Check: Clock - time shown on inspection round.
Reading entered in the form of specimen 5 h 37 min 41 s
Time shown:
5 h 11 min 16 s
